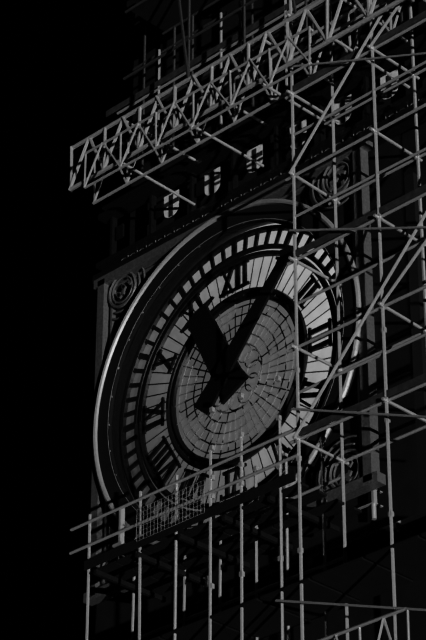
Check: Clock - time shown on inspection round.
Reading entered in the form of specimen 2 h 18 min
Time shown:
11 h 07 min
